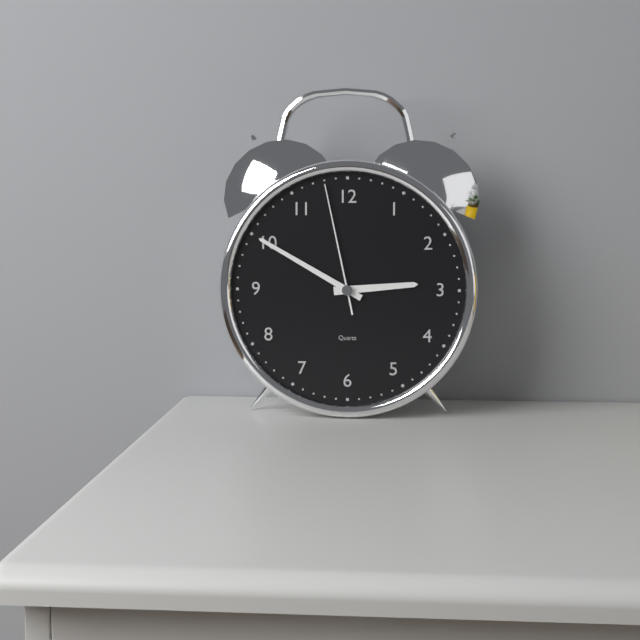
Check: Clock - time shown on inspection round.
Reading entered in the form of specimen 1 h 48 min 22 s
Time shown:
2 h 50 min 58 s
